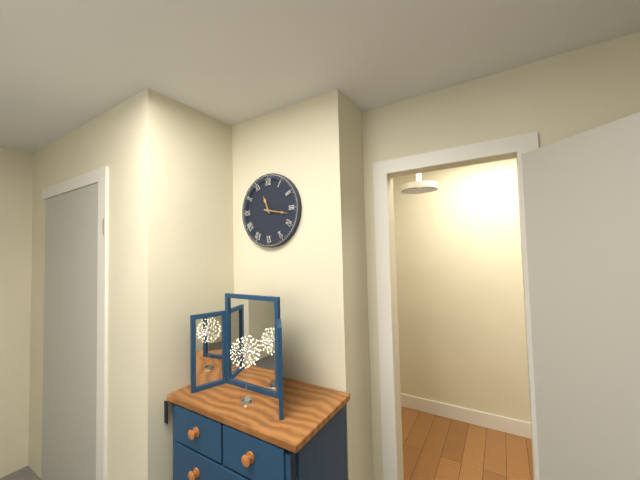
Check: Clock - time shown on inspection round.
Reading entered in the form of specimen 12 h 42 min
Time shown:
11 h 17 min
